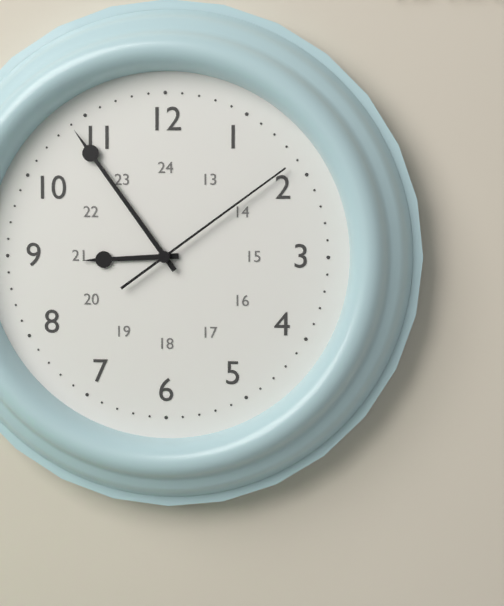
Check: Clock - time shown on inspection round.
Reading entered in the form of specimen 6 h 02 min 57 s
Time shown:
8 h 54 min 09 s
